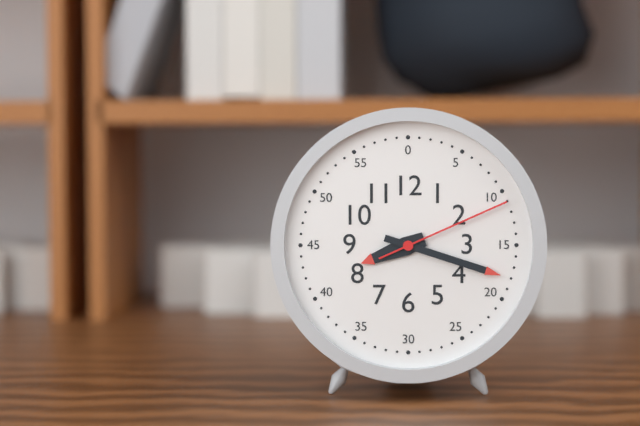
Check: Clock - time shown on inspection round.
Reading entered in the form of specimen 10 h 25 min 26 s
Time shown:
8 h 18 min 11 s
